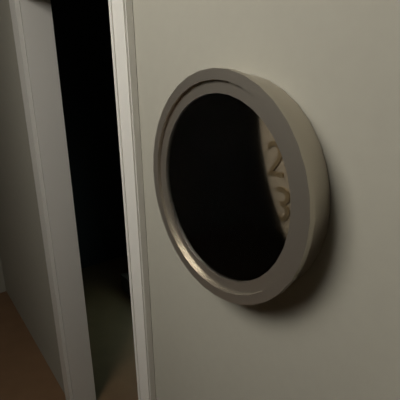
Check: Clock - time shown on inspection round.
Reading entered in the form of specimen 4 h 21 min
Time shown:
7 h 53 min
